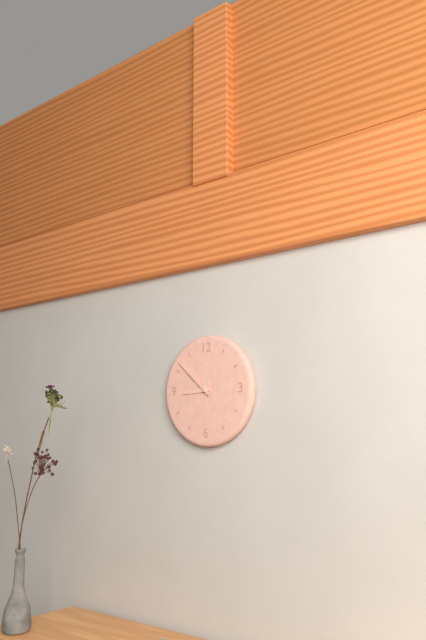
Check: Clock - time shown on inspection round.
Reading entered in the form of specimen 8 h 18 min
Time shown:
8 h 52 min
